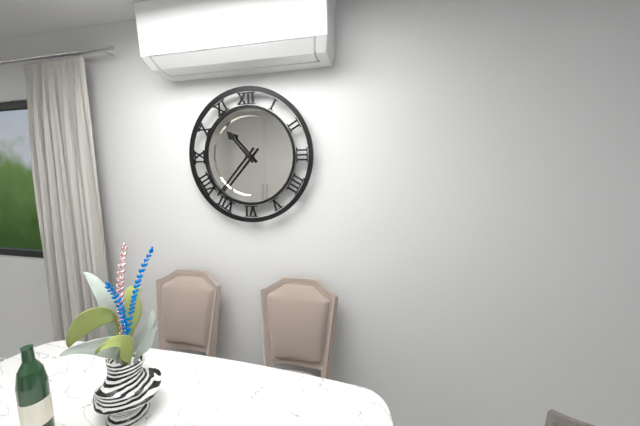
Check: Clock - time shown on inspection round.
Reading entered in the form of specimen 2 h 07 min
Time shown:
10 h 37 min
